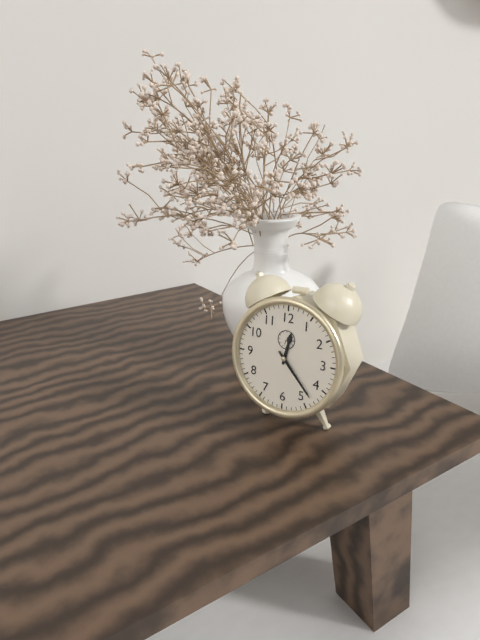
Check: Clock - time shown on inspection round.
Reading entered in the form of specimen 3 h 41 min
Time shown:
12 h 23 min
